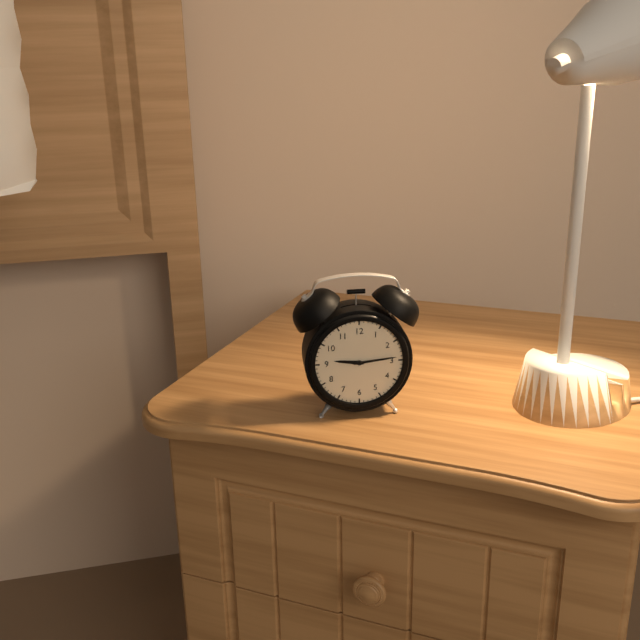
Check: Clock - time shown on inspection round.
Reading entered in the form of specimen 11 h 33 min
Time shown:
9 h 14 min
